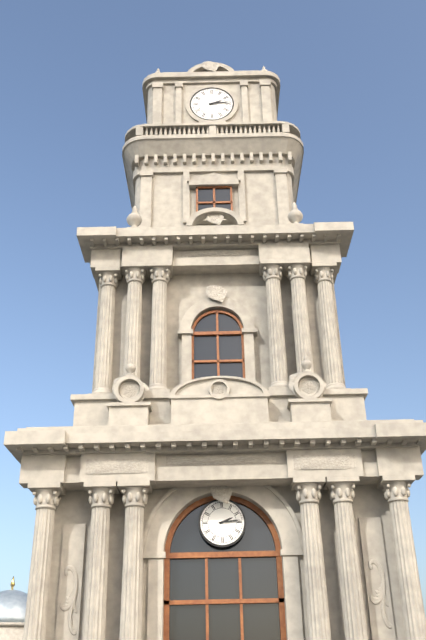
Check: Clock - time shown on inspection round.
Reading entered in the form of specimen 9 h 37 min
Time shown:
2 h 14 min
